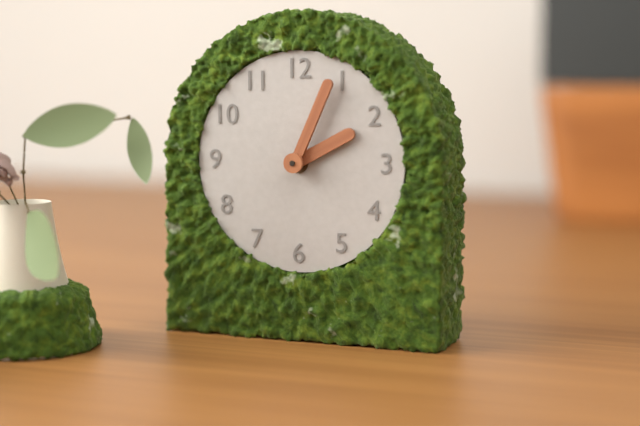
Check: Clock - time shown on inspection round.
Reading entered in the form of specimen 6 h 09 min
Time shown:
2 h 04 min
